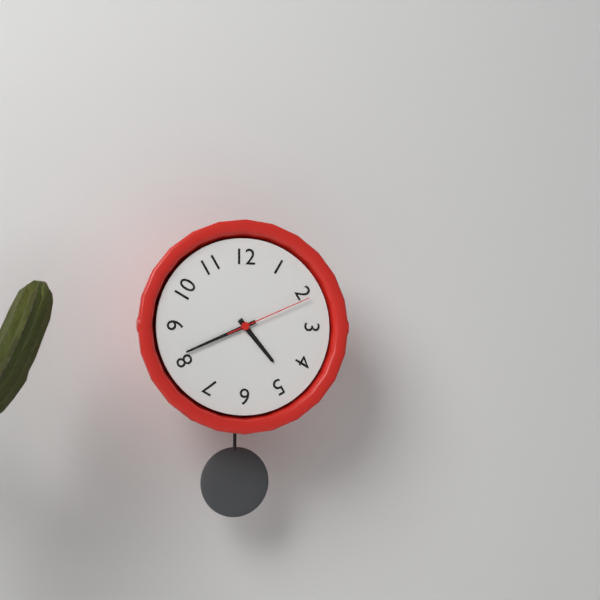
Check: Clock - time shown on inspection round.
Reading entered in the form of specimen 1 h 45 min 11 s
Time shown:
4 h 41 min 11 s
